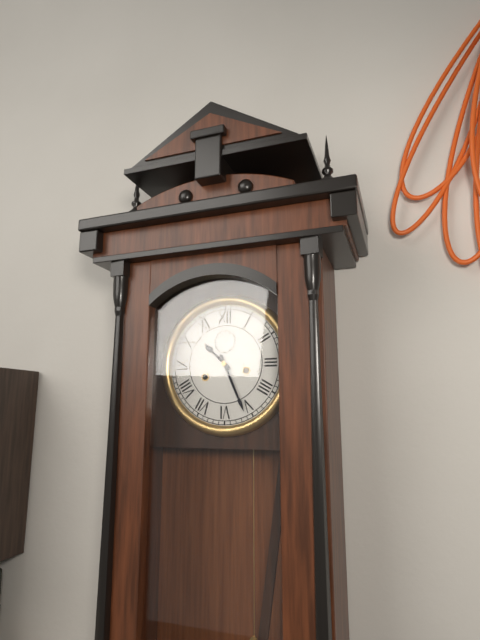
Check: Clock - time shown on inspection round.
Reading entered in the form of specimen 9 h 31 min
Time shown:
10 h 26 min
